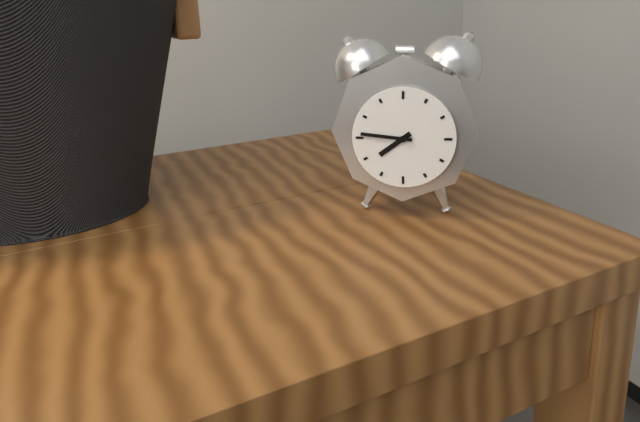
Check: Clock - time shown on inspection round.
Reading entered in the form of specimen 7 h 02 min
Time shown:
7 h 46 min
